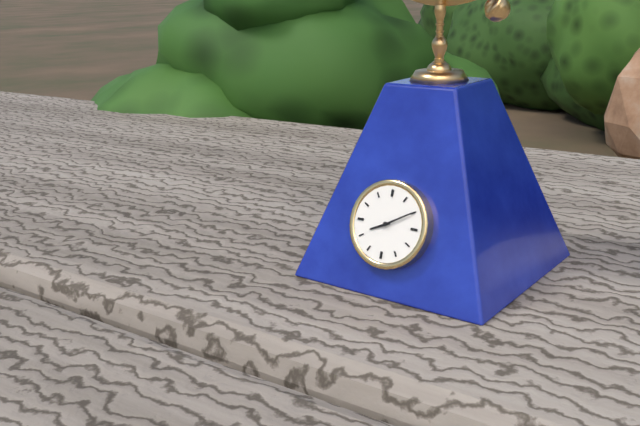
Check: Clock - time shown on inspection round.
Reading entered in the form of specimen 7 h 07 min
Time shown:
8 h 10 min
